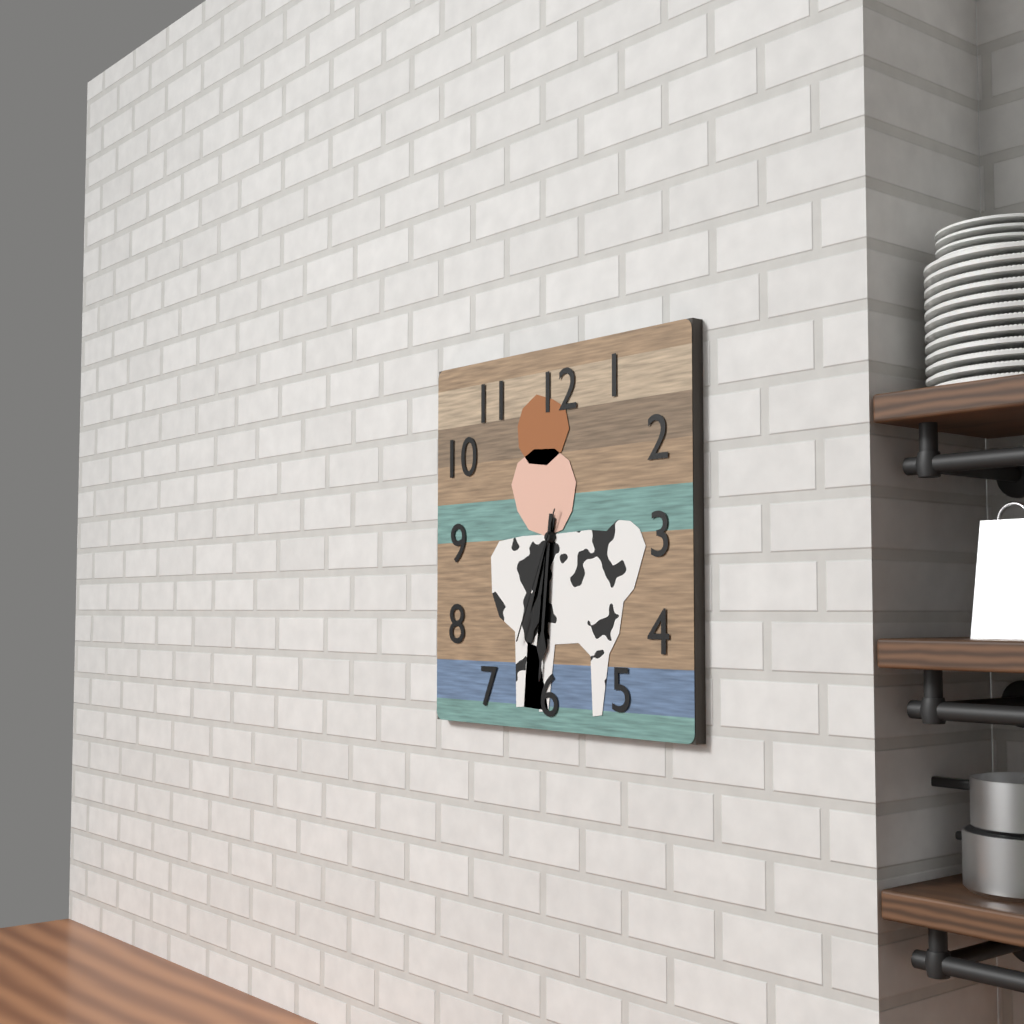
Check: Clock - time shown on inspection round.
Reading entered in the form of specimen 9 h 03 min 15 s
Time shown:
6 h 31 min 34 s
